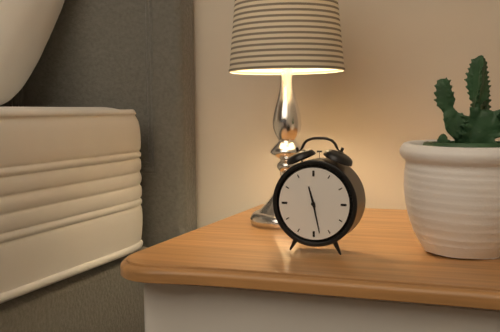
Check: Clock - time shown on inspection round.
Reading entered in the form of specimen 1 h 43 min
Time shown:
11 h 28 min
